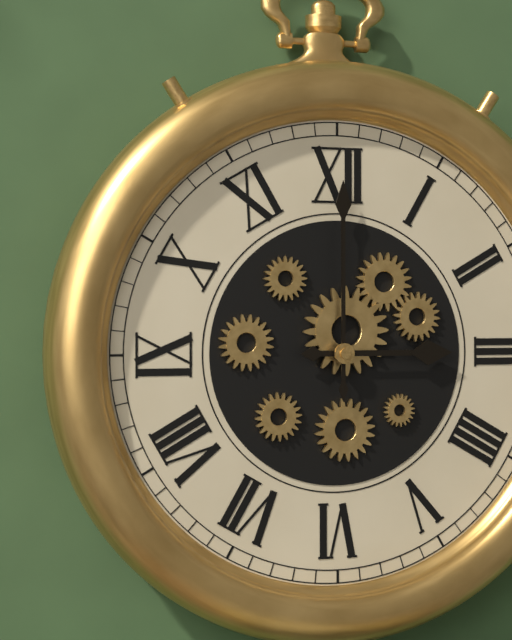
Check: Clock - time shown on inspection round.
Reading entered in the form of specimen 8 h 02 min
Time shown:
3 h 00 min
